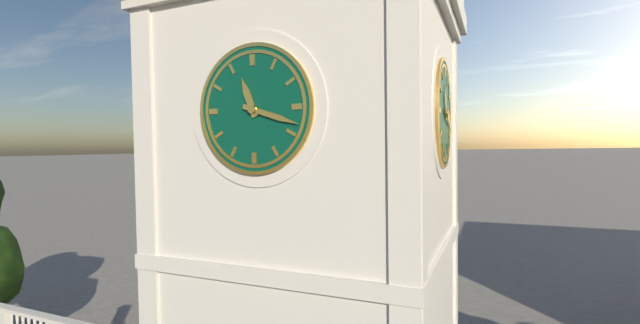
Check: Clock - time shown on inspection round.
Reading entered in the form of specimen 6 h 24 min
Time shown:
11 h 18 min
